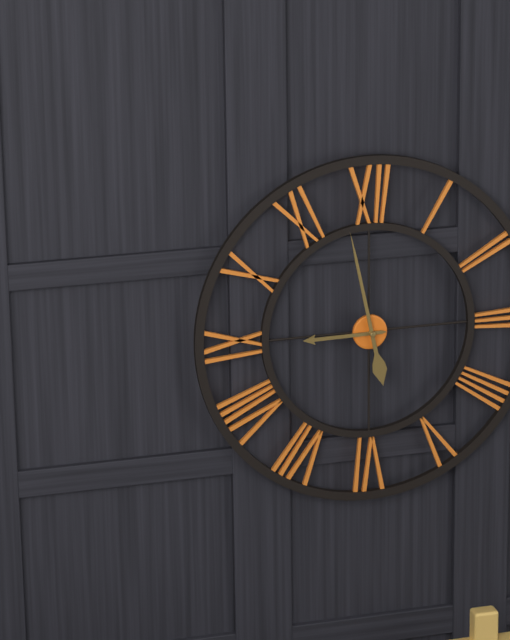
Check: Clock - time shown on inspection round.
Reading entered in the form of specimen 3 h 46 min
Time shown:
8 h 58 min
